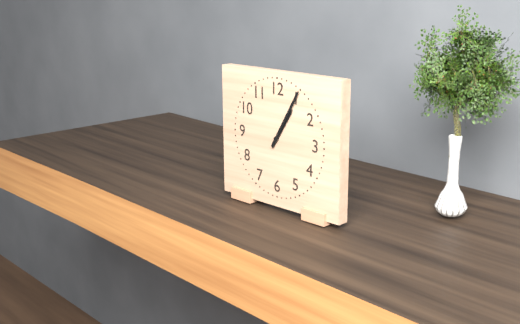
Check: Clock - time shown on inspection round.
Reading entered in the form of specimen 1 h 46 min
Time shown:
1 h 05 min
